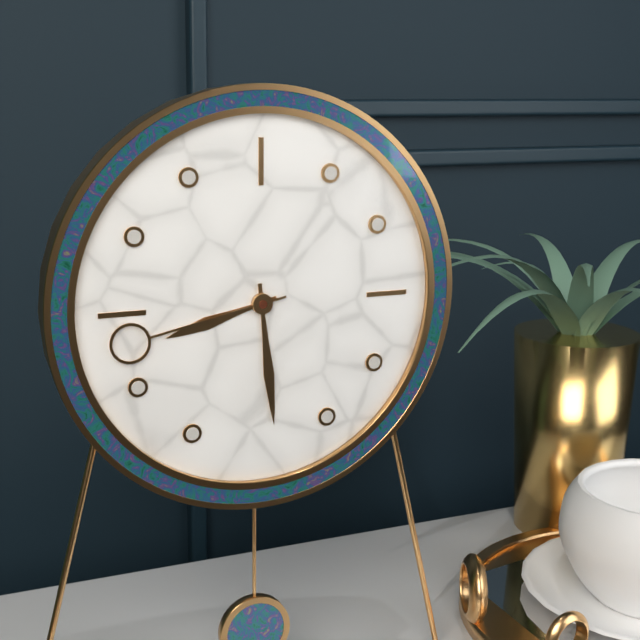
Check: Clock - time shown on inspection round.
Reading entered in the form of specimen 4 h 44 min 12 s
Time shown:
8 h 29 min 43 s
